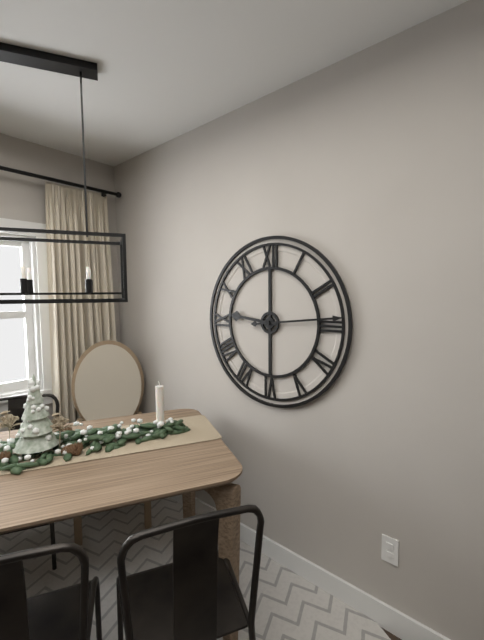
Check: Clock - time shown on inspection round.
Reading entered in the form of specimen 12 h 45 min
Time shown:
9 h 14 min
